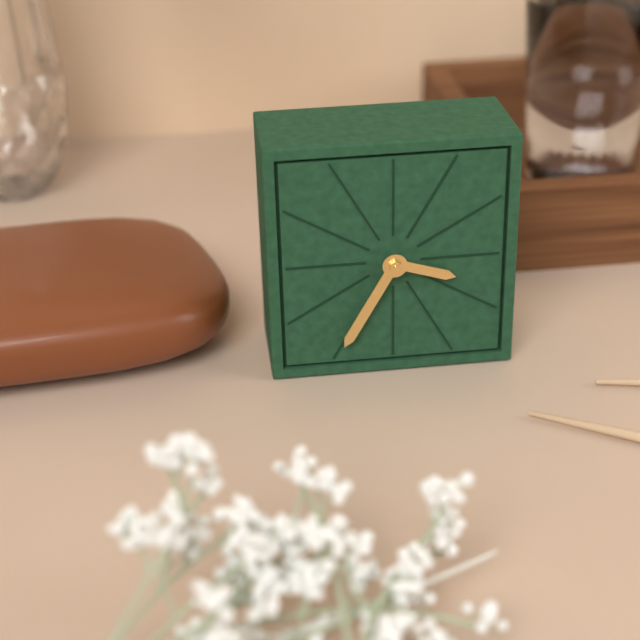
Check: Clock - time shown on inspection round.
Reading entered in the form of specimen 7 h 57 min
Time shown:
3 h 35 min
